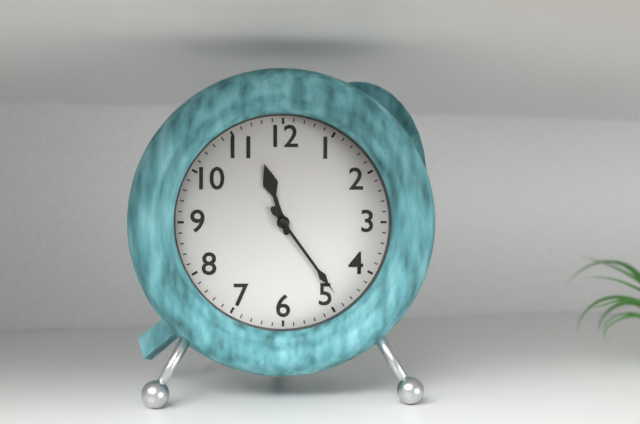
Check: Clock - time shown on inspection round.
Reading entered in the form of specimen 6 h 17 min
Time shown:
11 h 24 min
